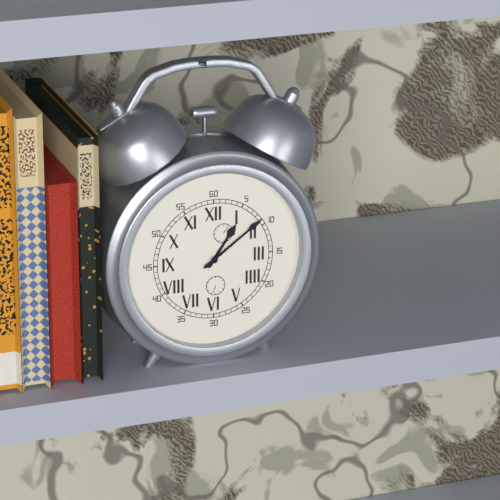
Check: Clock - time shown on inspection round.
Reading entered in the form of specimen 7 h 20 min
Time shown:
1 h 09 min
